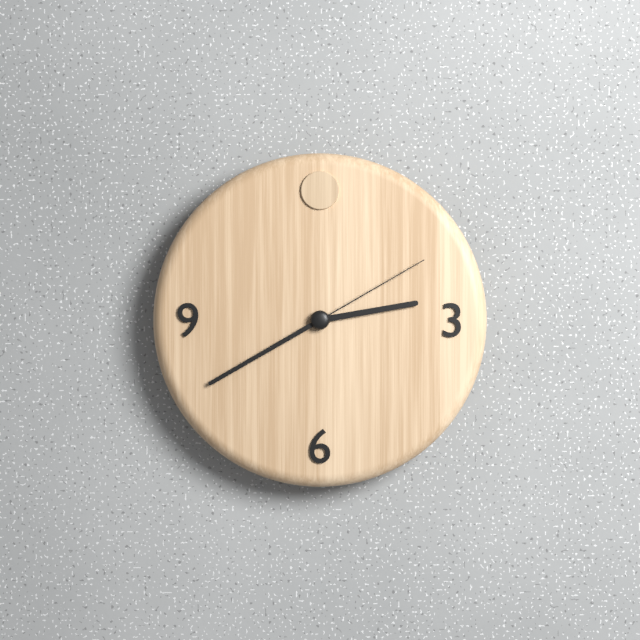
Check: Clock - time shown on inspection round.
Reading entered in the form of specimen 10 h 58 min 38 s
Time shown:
2 h 40 min 10 s
